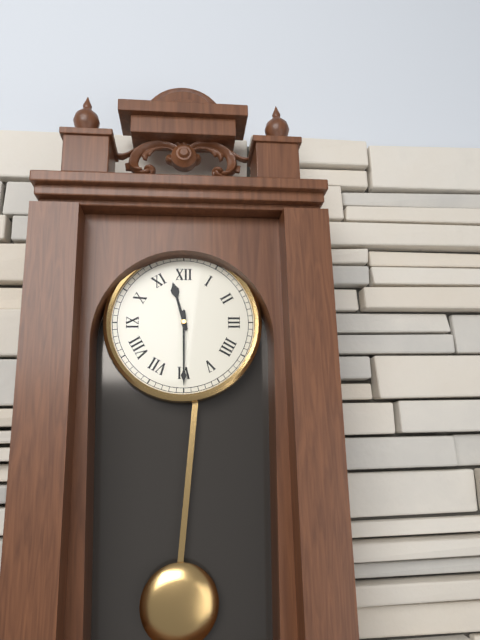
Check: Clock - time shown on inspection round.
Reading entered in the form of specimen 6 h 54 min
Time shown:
11 h 30 min
